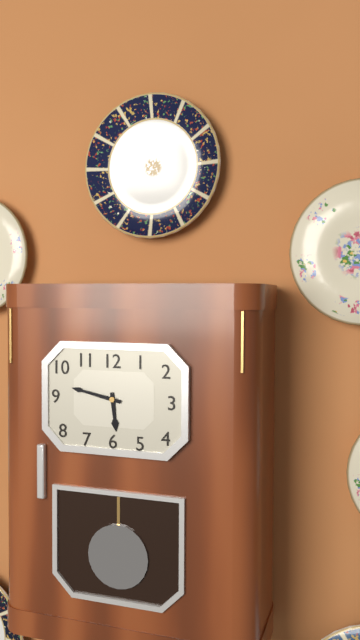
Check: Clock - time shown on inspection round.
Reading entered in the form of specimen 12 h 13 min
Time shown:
5 h 47 min
